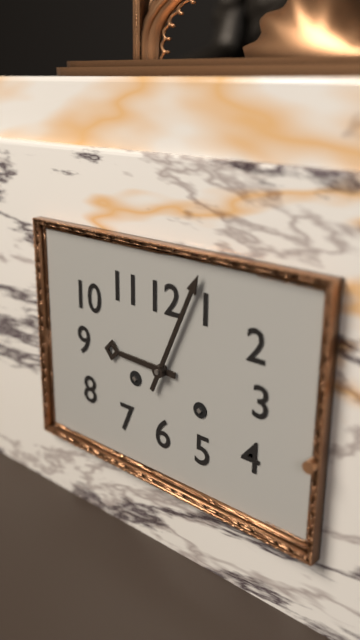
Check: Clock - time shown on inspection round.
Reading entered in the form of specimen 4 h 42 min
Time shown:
9 h 04 min
